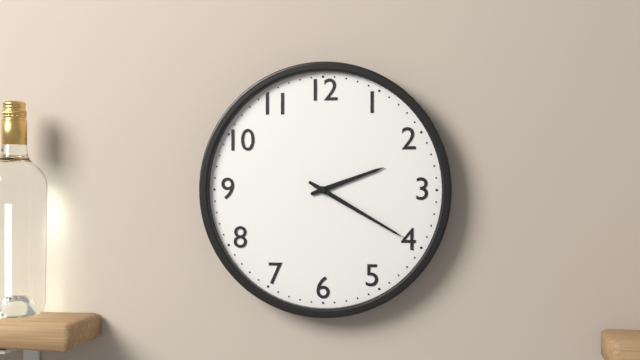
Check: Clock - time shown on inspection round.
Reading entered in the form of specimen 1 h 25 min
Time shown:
2 h 20 min
